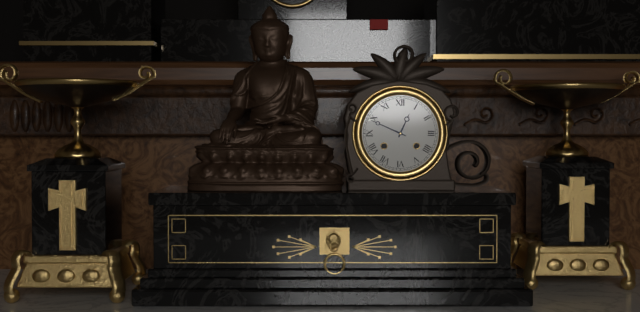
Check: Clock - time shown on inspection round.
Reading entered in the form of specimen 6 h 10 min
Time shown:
12 h 49 min
